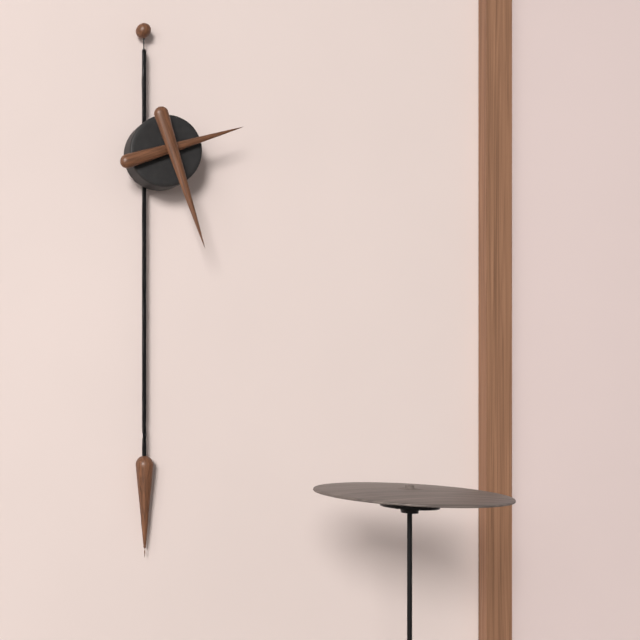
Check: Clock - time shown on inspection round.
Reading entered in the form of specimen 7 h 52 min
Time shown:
2 h 27 min
